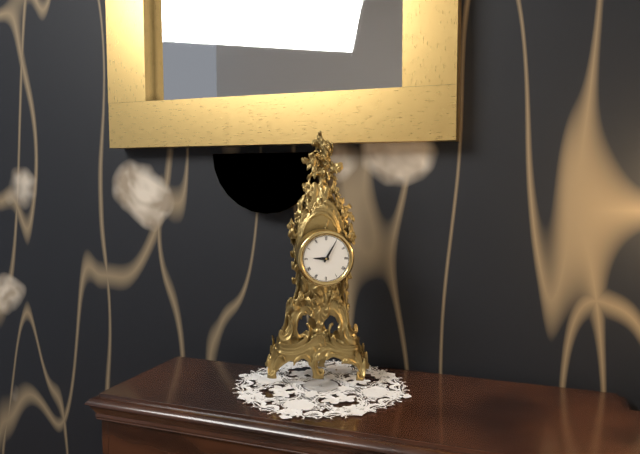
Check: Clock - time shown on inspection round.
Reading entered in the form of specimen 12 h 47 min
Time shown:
9 h 05 min
